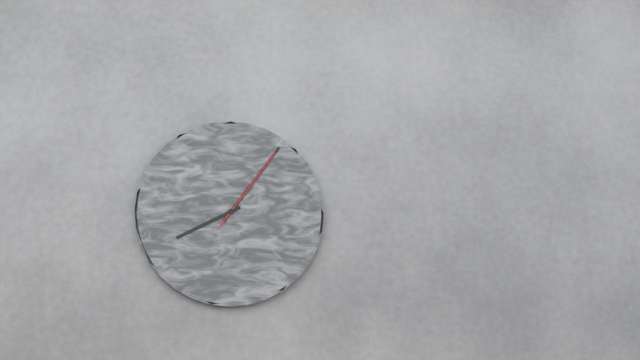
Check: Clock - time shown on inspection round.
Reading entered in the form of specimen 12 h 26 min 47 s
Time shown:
8 h 06 min 06 s
